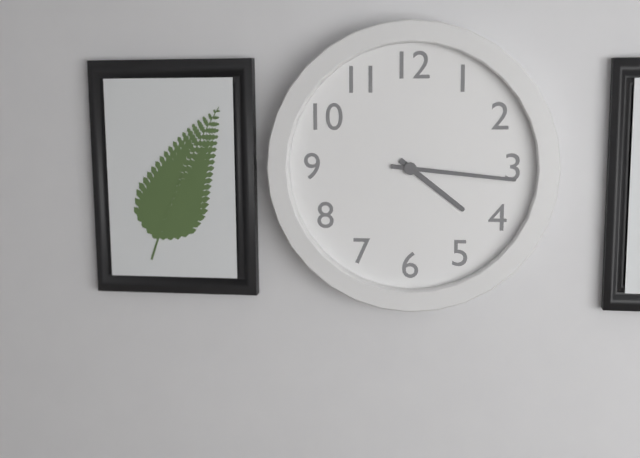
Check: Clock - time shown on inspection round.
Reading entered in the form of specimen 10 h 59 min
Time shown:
4 h 16 min
